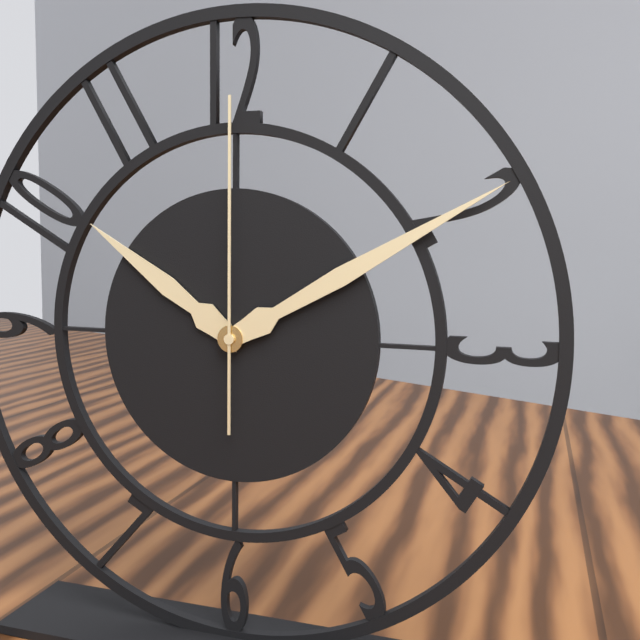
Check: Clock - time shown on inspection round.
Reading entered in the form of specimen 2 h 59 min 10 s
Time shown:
10 h 10 min 00 s
